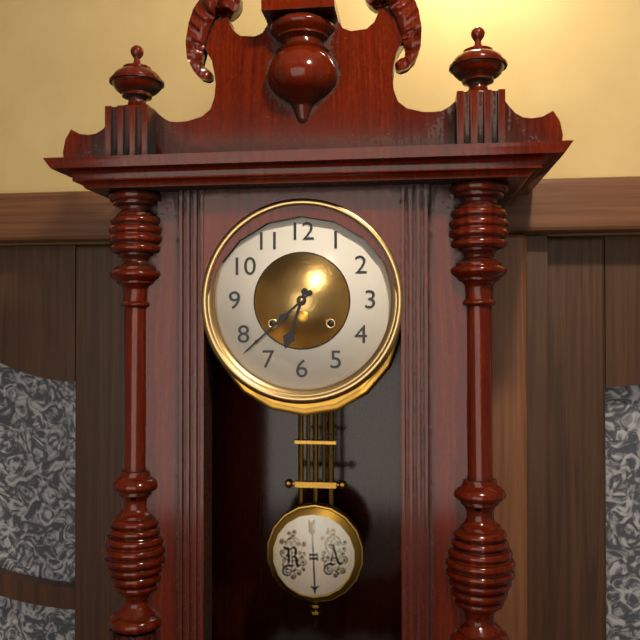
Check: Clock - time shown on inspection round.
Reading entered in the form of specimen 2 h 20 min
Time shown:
6 h 38 min
